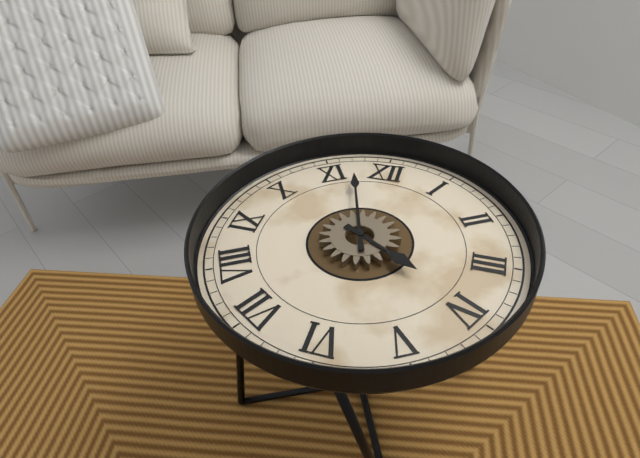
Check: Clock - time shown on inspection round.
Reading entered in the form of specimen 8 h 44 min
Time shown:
3 h 57 min
